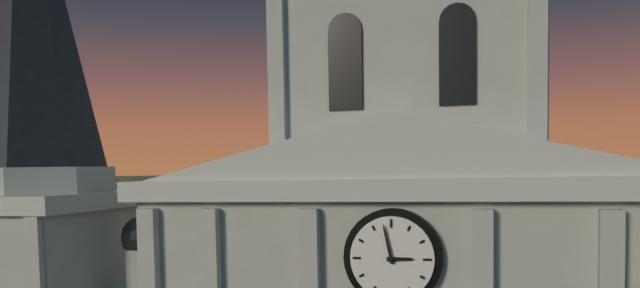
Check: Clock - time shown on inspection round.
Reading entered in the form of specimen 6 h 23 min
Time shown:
2 h 58 min
